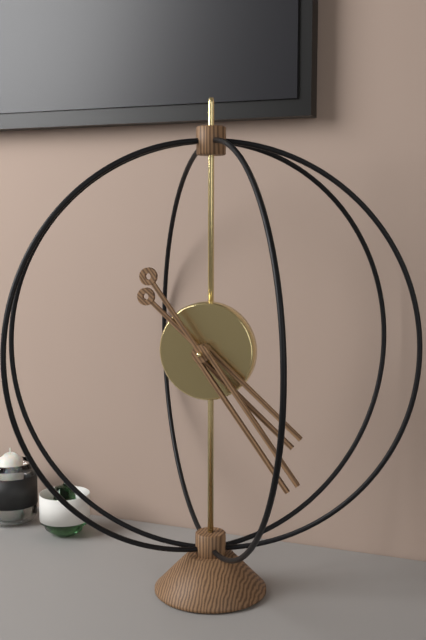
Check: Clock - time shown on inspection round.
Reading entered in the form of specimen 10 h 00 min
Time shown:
4 h 24 min
